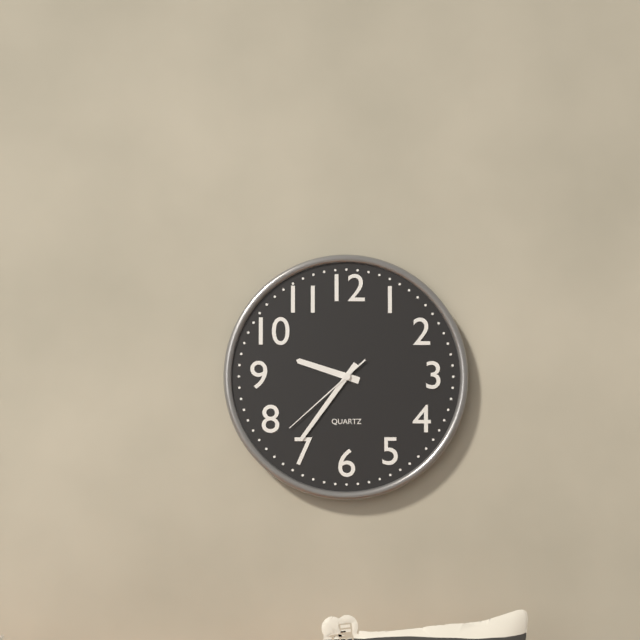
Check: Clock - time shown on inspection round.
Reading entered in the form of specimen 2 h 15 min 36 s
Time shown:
9 h 36 min 38 s
